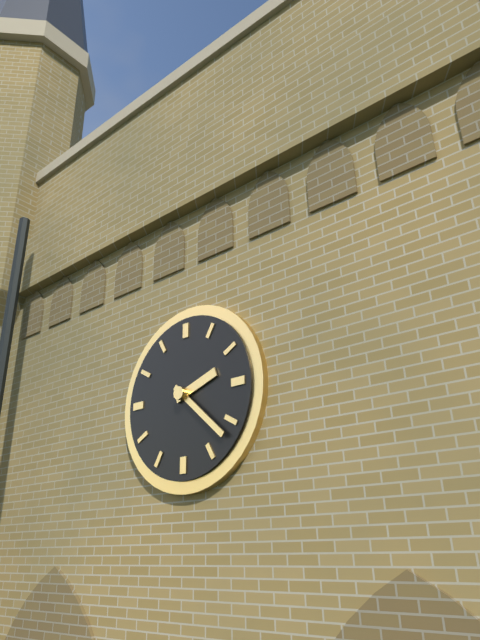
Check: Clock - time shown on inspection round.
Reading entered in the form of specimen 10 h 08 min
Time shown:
2 h 22 min
